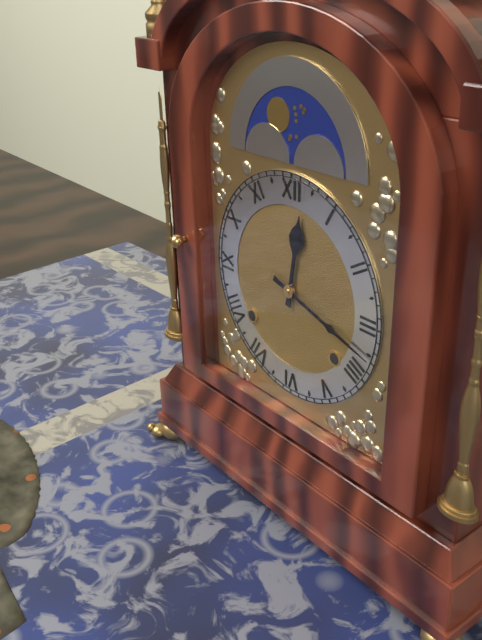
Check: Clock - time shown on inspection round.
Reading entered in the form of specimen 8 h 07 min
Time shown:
12 h 18 min
